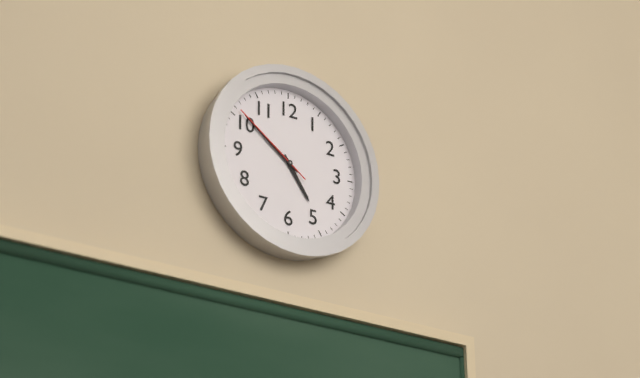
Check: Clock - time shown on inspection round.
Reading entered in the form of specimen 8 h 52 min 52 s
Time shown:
4 h 51 min 51 s
